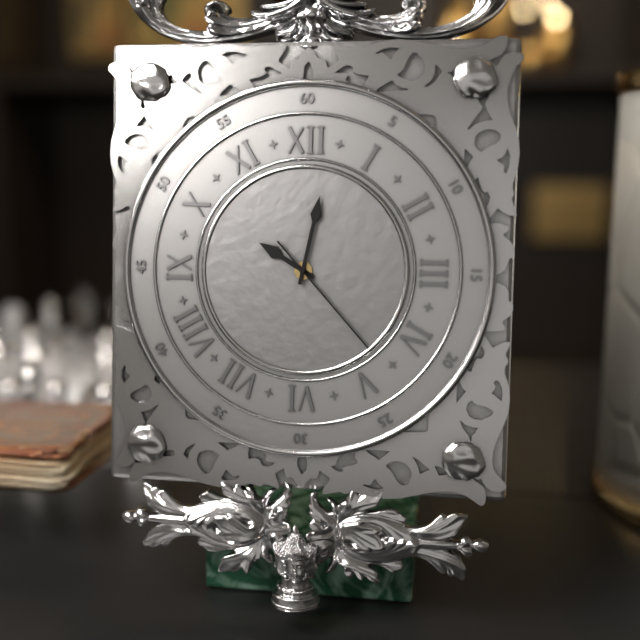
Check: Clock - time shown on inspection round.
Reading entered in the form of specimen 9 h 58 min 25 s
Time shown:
10 h 02 min 23 s
